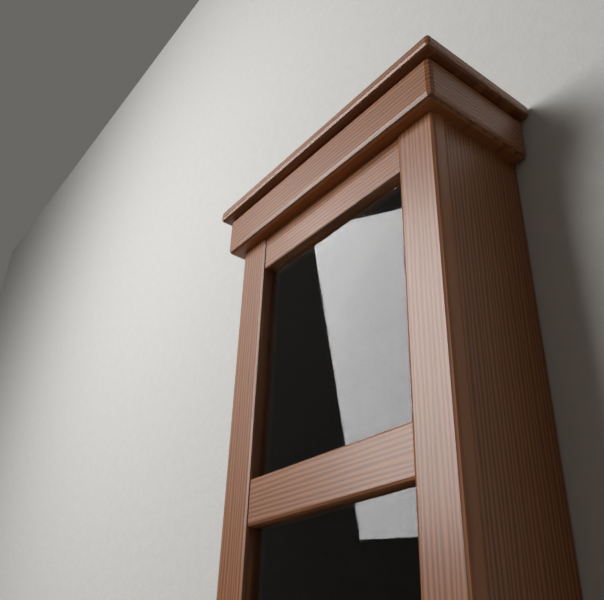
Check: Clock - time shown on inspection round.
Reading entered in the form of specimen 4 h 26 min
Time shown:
2 h 34 min
